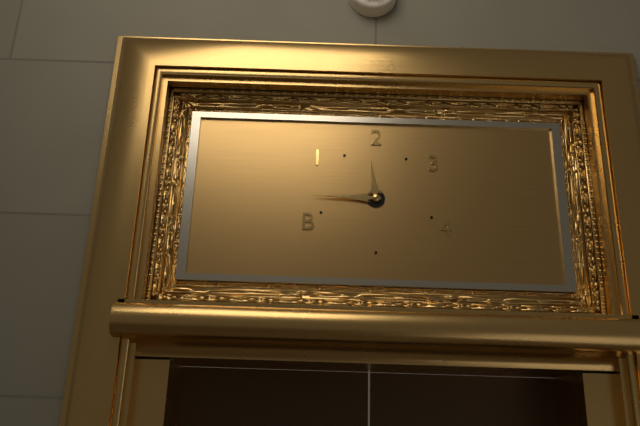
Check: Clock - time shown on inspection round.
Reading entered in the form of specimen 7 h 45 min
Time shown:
11 h 45 min
